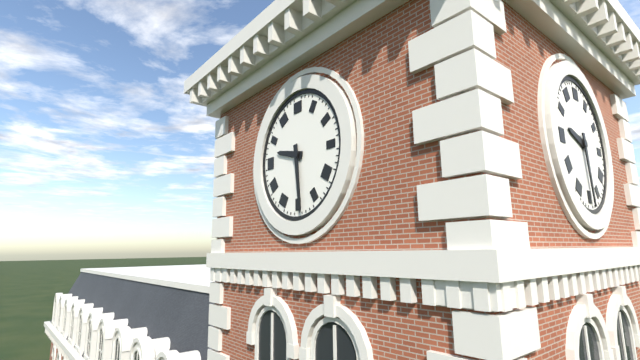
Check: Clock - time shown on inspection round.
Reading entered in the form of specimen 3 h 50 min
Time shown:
9 h 29 min
